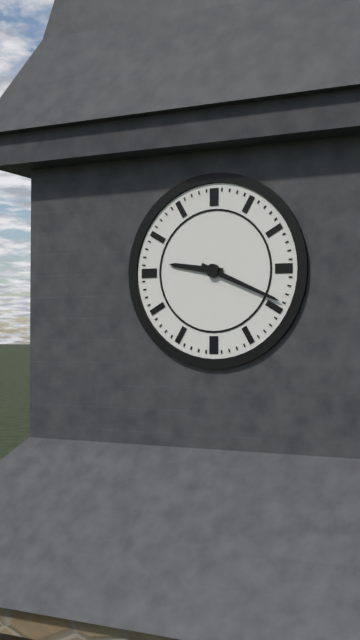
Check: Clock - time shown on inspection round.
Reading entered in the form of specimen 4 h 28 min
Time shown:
9 h 19 min
